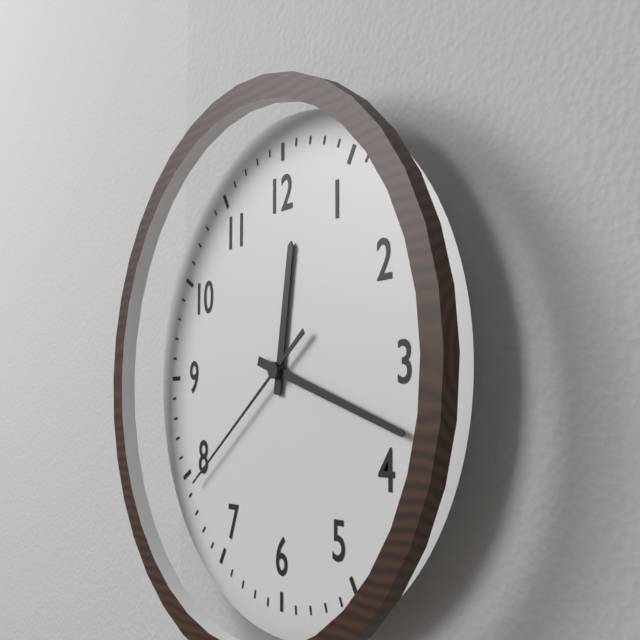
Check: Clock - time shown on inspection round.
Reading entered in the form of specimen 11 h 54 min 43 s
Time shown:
12 h 18 min 39 s
